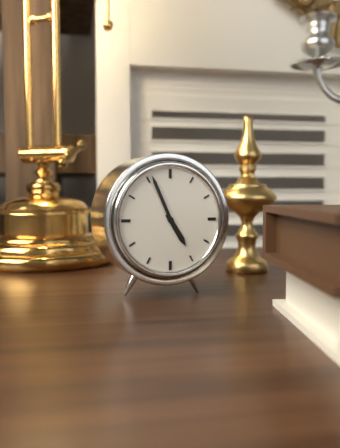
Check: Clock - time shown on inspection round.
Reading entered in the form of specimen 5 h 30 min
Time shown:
4 h 56 min
